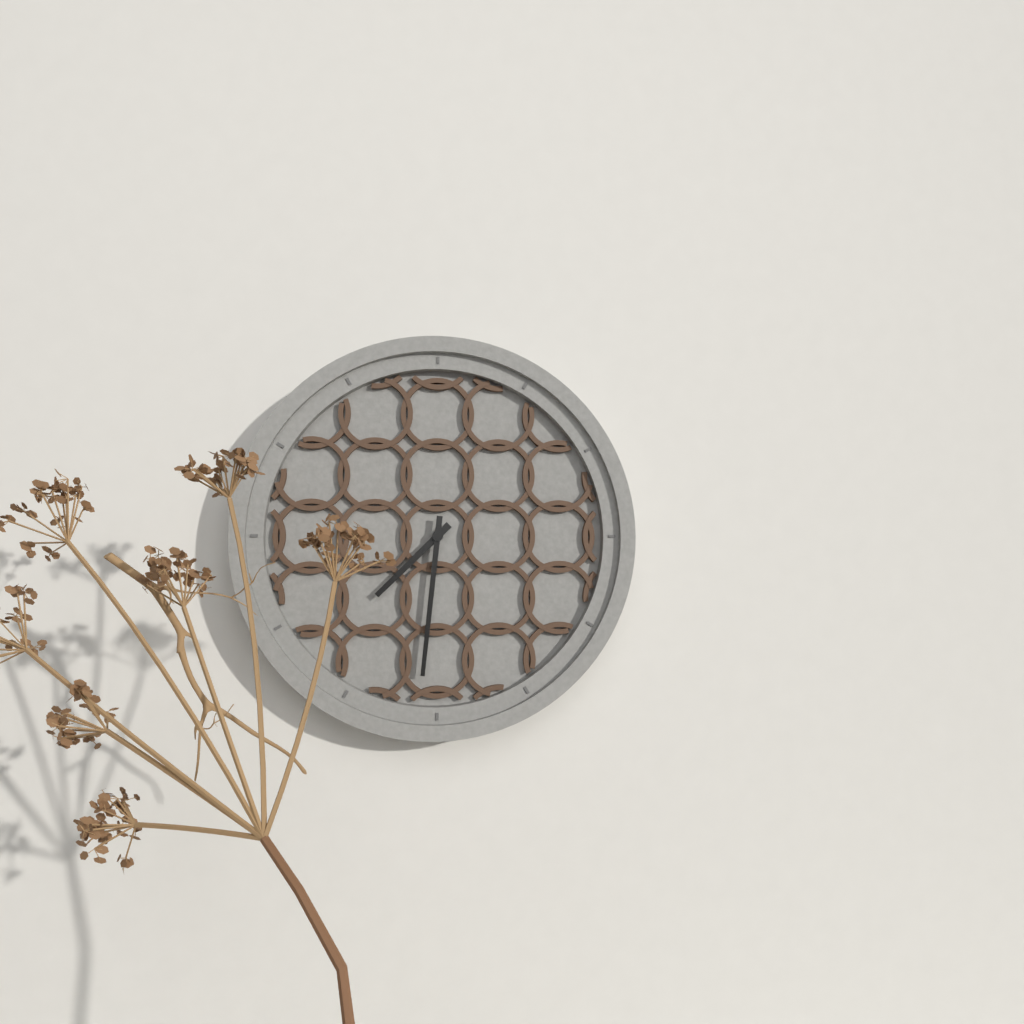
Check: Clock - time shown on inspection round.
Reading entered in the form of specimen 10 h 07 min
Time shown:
7 h 31 min
